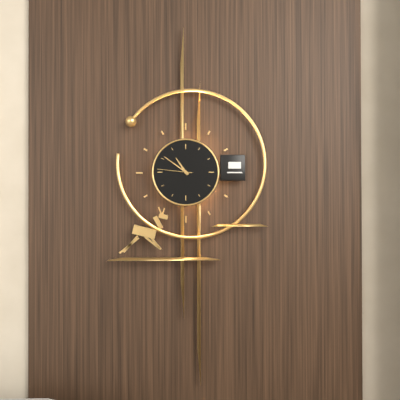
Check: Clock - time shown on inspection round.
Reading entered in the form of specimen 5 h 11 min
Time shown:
10 h 51 min
